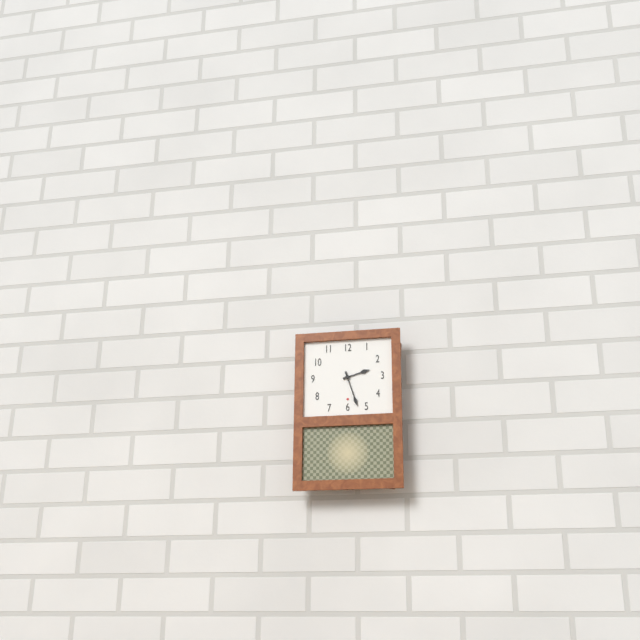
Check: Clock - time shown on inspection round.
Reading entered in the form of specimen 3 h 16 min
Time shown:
2 h 27 min
